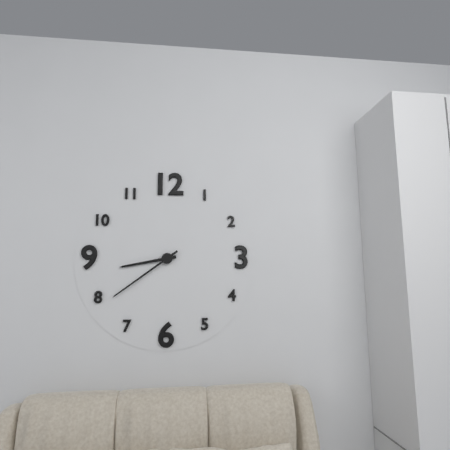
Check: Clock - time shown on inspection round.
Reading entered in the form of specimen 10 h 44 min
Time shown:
8 h 39 min
